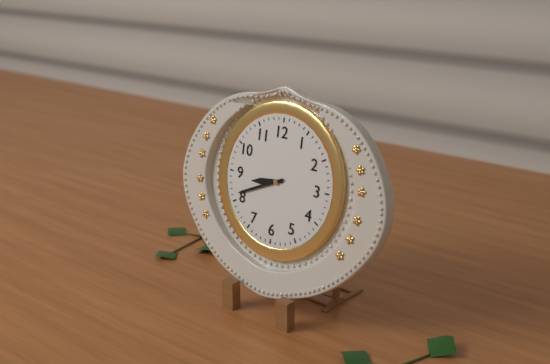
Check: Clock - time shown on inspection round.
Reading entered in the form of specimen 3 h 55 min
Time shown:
8 h 41 min
